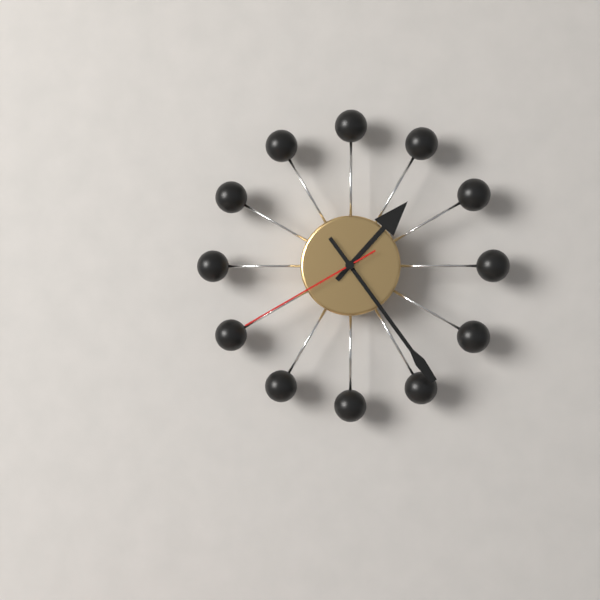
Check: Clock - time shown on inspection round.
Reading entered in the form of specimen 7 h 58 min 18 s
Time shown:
1 h 24 min 40 s
